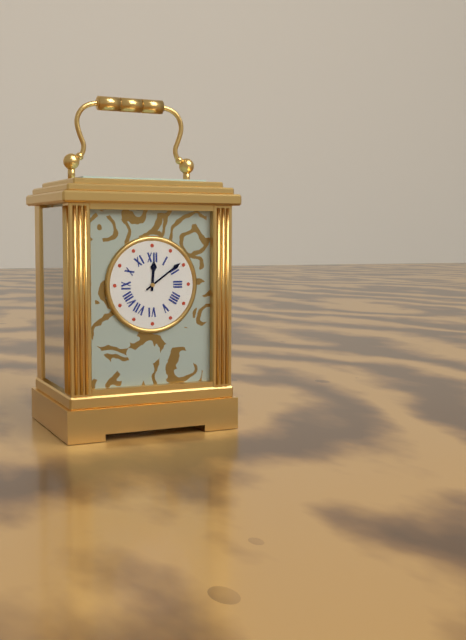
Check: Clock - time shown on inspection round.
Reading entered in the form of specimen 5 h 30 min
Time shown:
12 h 09 min
